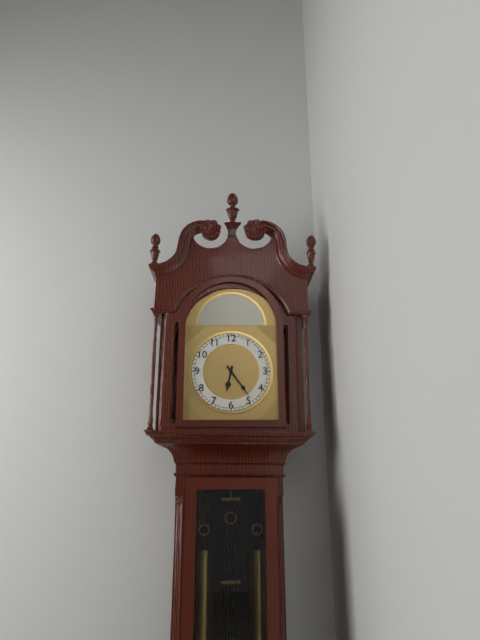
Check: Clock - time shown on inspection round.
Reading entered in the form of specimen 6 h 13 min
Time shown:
6 h 24 min
